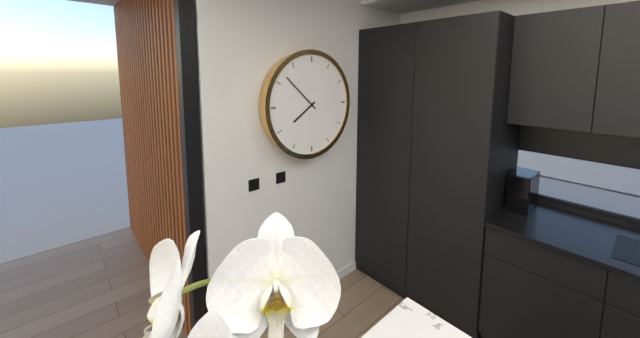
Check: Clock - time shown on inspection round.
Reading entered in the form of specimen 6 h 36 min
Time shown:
7 h 52 min
